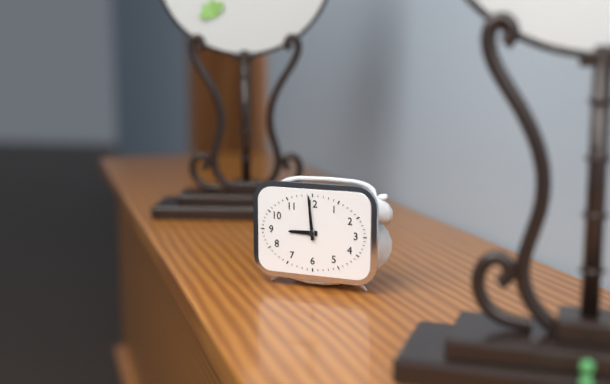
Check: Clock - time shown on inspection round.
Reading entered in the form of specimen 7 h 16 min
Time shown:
8 h 59 min
